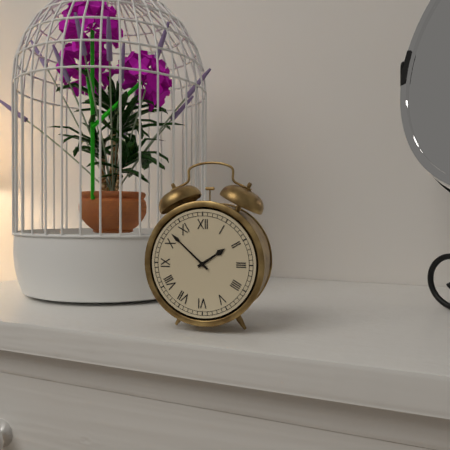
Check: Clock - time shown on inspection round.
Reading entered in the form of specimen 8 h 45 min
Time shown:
1 h 52 min
